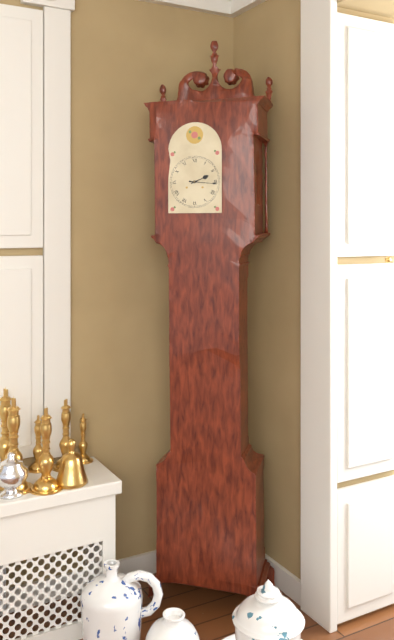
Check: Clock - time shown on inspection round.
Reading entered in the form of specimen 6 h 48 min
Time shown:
2 h 16 min
